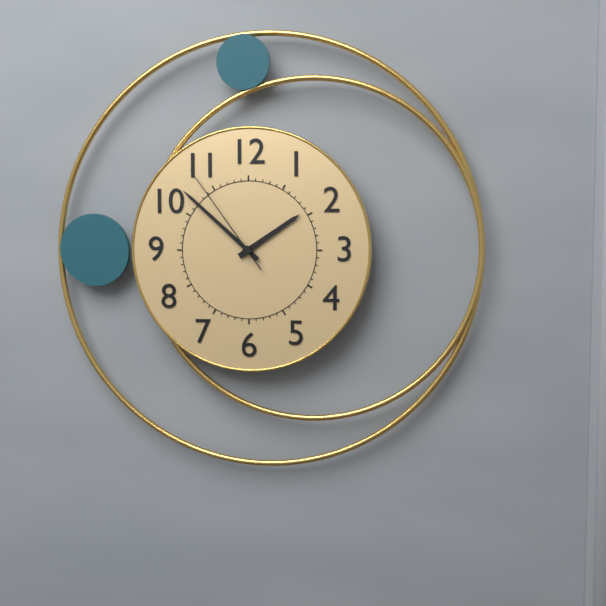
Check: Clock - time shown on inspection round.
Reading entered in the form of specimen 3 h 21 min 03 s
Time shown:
1 h 52 min 54 s
